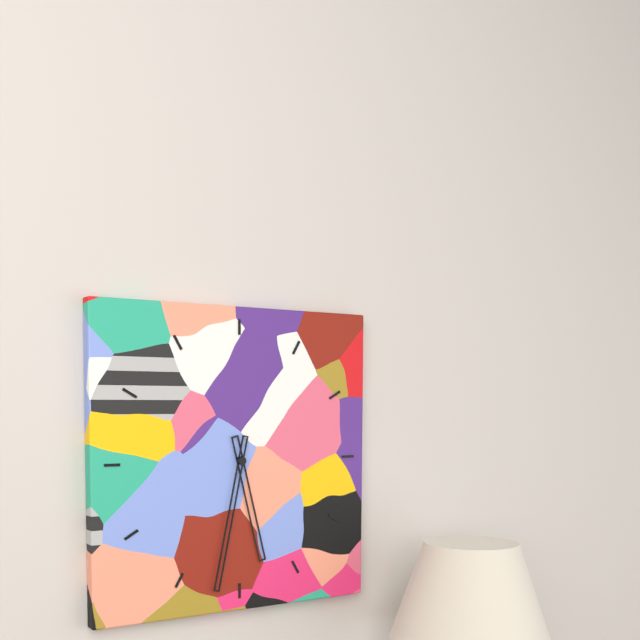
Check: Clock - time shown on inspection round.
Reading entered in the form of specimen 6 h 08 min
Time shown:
5 h 32 min
